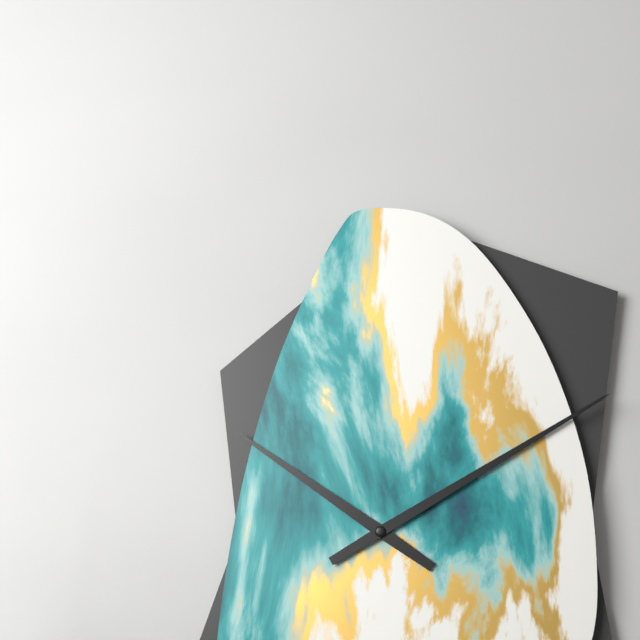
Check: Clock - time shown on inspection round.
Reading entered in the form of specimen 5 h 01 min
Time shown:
10 h 10 min
